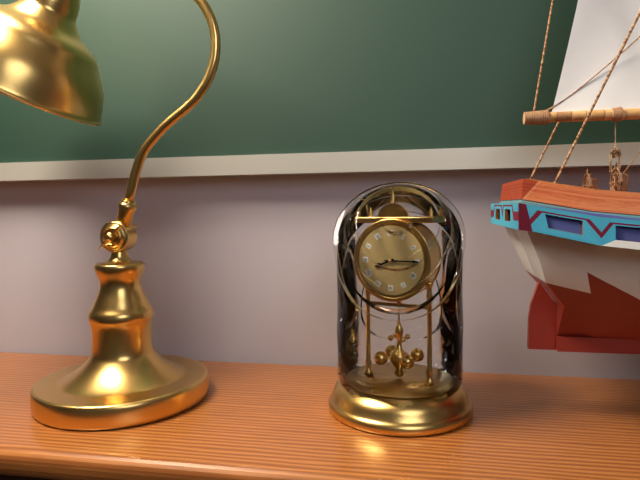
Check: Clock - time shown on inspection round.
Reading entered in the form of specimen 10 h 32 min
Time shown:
8 h 15 min
